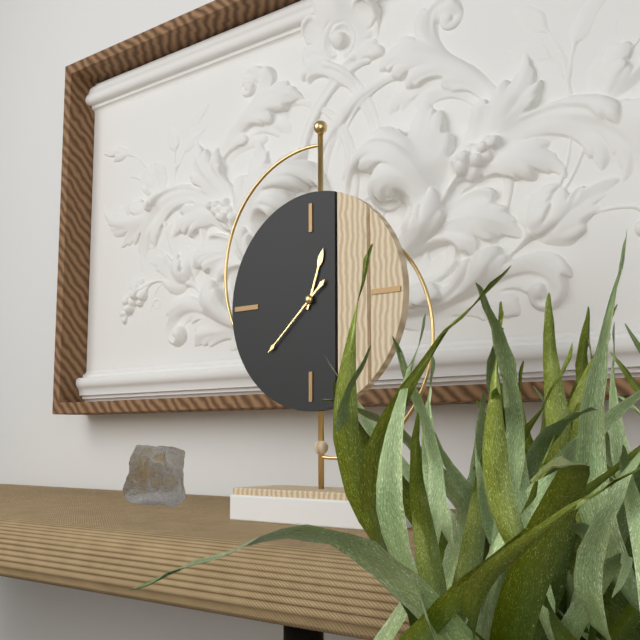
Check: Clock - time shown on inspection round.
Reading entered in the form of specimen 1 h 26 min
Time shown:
12 h 38 min
